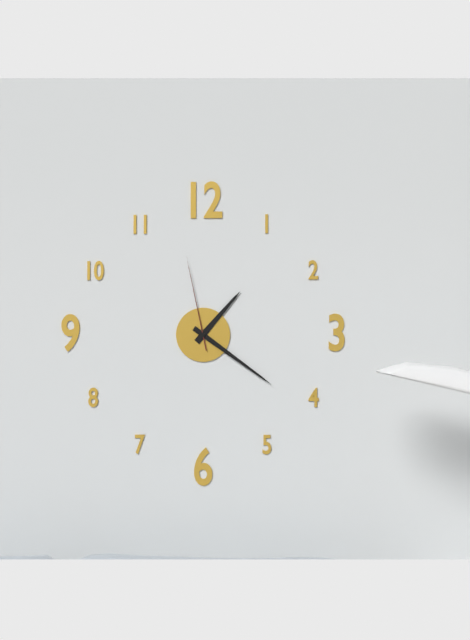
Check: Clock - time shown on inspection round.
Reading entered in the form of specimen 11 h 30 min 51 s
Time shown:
1 h 21 min 58 s
